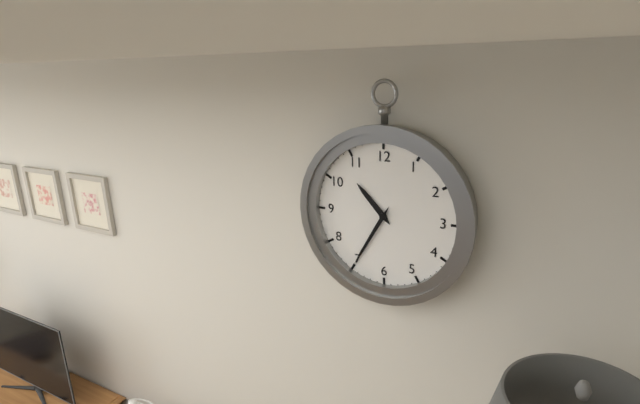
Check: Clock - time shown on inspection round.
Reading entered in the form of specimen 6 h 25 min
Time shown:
10 h 35 min
